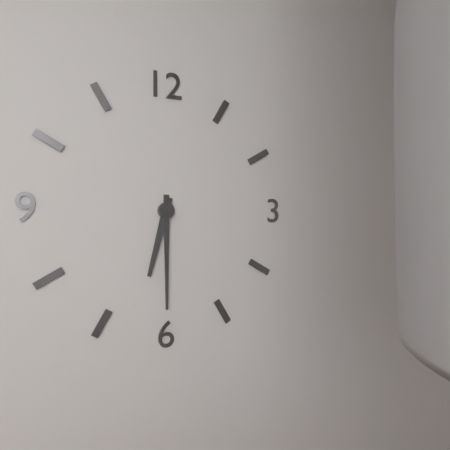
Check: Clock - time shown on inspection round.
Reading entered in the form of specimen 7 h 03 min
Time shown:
6 h 30 min
